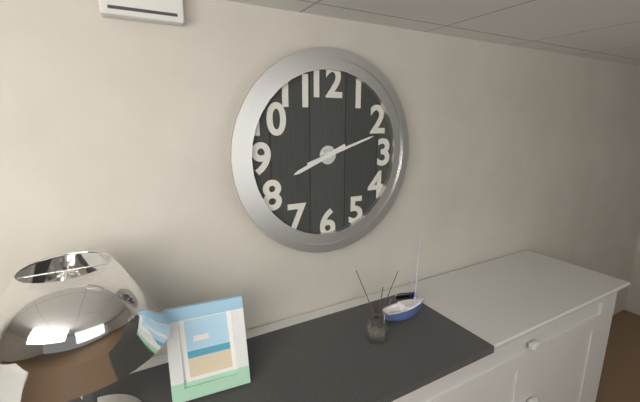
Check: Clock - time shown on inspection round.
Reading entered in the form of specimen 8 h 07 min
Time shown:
8 h 12 min
